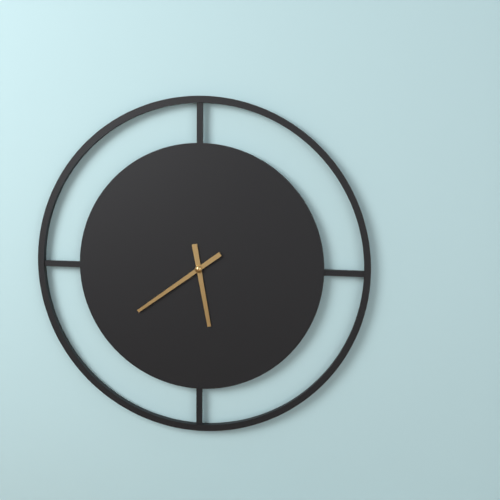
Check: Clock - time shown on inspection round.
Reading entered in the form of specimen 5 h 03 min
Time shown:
5 h 39 min
